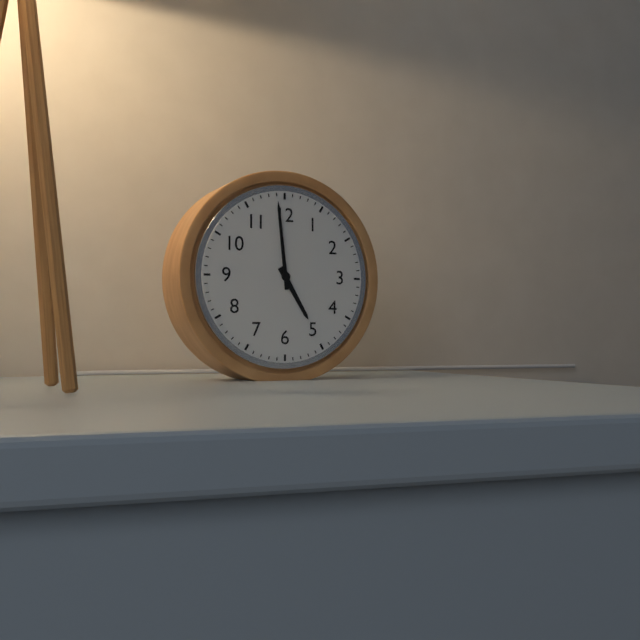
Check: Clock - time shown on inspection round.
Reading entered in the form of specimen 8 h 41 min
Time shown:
4 h 59 min
